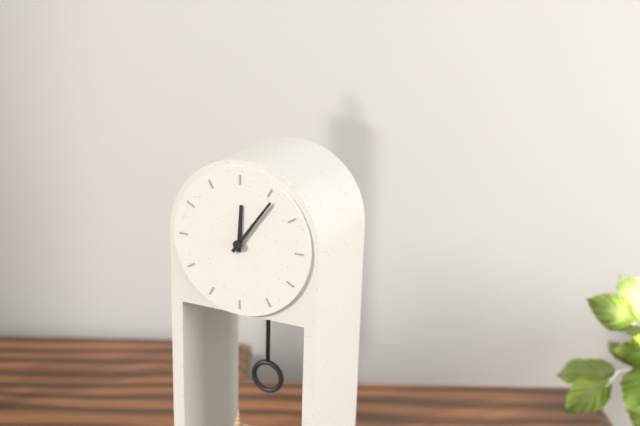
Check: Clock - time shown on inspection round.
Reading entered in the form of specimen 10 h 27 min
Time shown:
12 h 06 min
